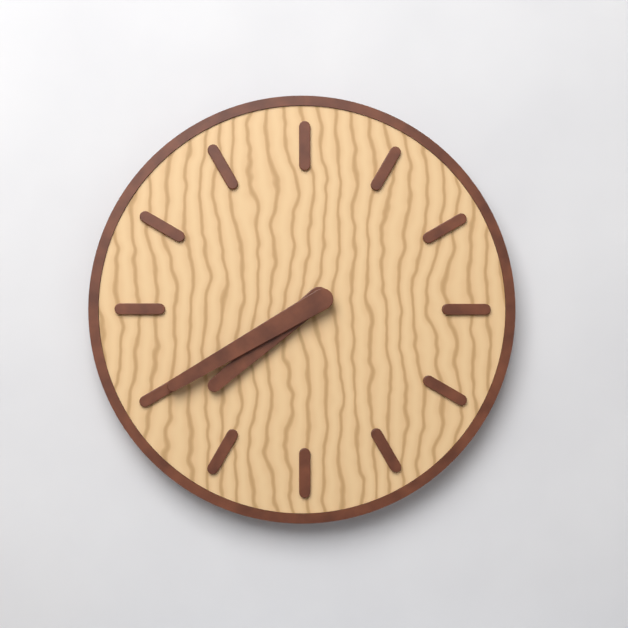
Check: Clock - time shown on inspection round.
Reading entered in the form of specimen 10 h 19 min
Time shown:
7 h 40 min
